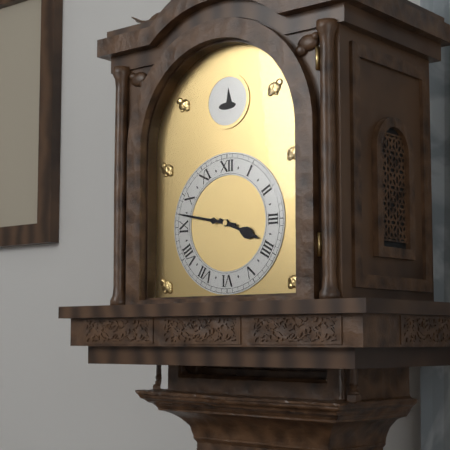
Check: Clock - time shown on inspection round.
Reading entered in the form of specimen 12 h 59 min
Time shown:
3 h 47 min
